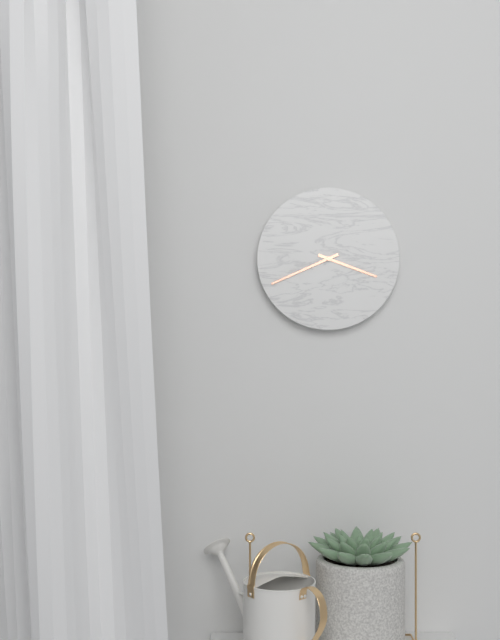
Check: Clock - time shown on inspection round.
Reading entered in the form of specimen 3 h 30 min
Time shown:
3 h 41 min
